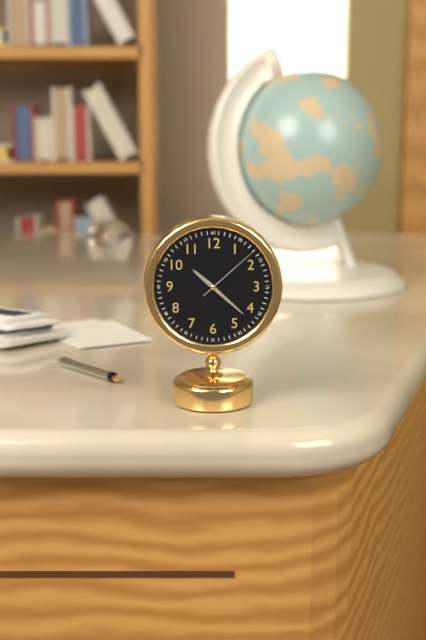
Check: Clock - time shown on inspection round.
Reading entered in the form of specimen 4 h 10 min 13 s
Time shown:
10 h 22 min 08 s
